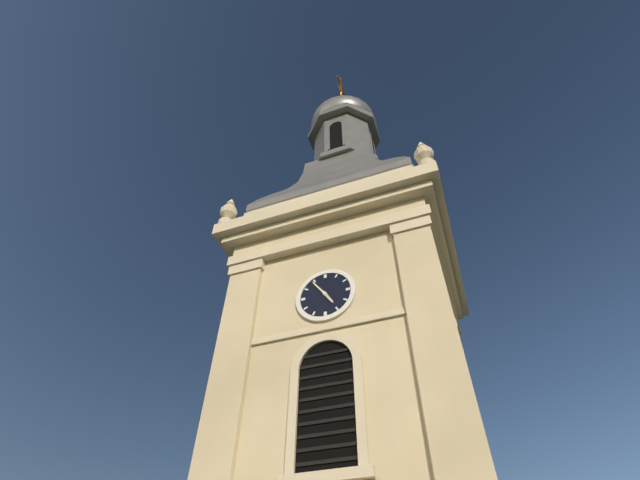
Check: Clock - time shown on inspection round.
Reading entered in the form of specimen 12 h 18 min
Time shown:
4 h 54 min
